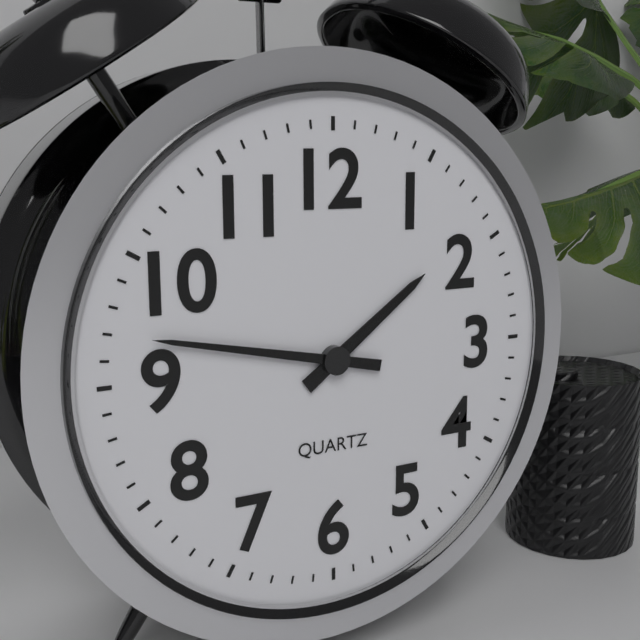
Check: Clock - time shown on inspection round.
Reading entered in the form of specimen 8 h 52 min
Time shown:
1 h 47 min
